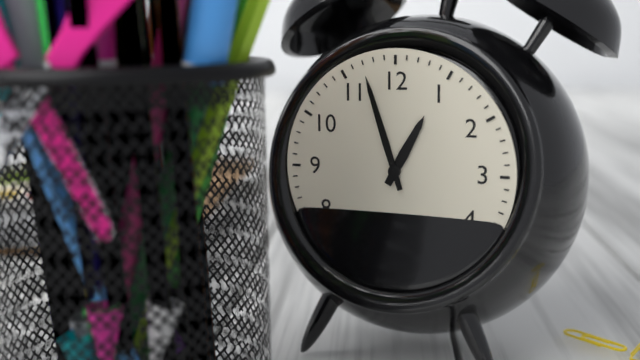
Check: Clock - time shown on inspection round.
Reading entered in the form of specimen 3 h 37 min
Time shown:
12 h 57 min
